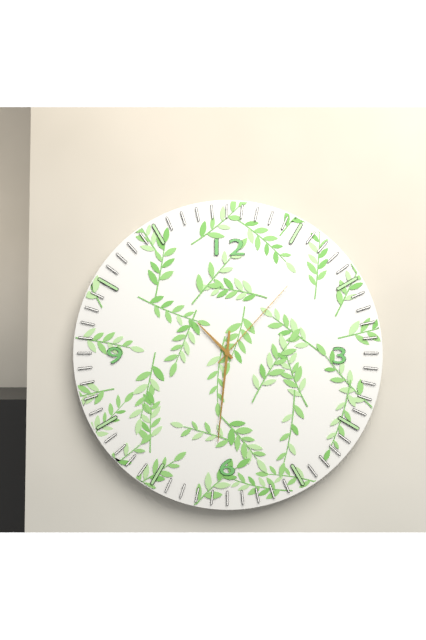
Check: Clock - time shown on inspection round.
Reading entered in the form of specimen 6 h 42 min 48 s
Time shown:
10 h 31 min 07 s
